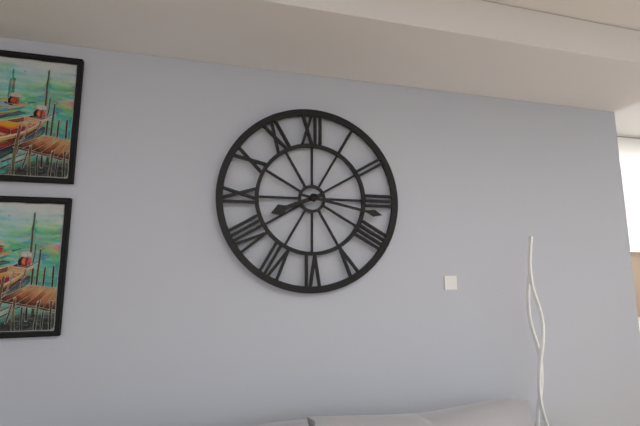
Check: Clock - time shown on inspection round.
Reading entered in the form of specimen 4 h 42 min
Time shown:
8 h 17 min
